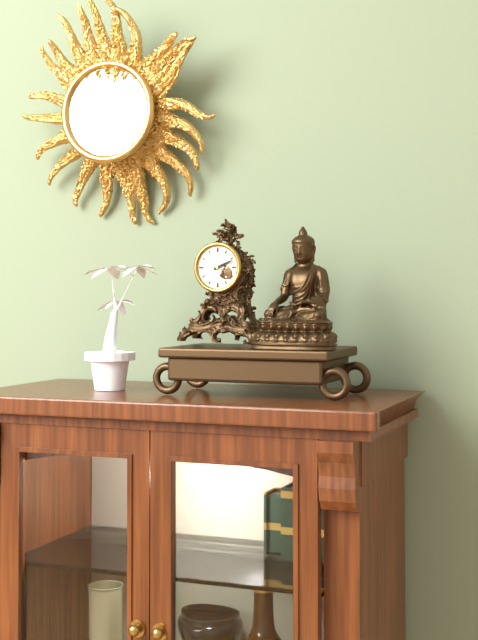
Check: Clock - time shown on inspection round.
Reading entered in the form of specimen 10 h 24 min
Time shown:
2 h 11 min
